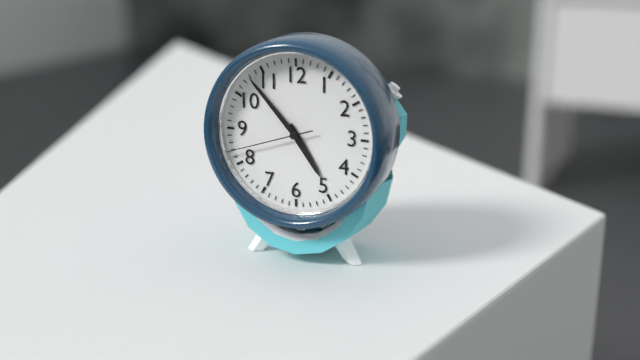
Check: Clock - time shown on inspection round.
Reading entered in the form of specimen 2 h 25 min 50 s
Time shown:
4 h 53 min 42 s
